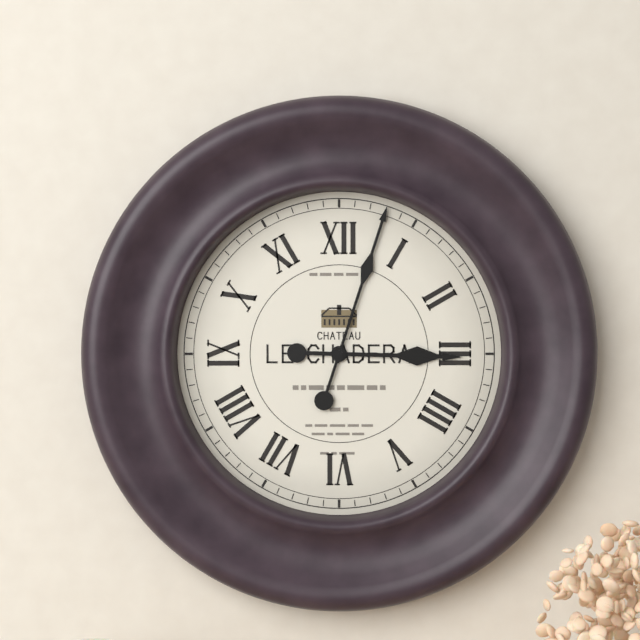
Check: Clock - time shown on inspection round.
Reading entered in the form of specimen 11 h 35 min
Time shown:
3 h 03 min
